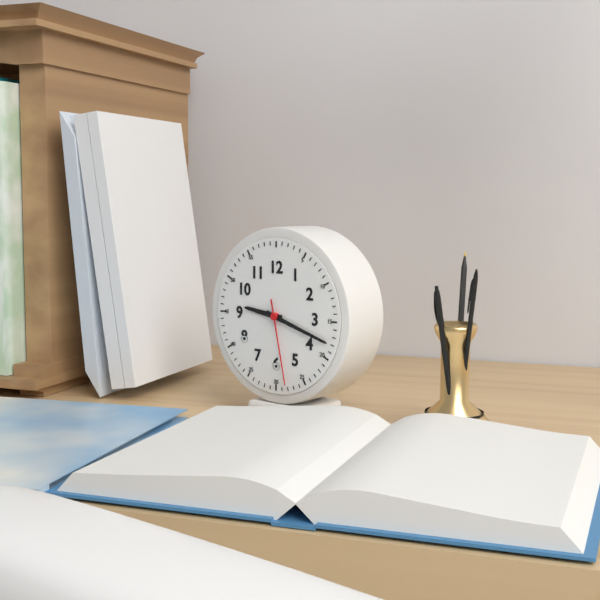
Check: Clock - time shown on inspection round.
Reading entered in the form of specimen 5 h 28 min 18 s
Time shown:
9 h 18 min 28 s
